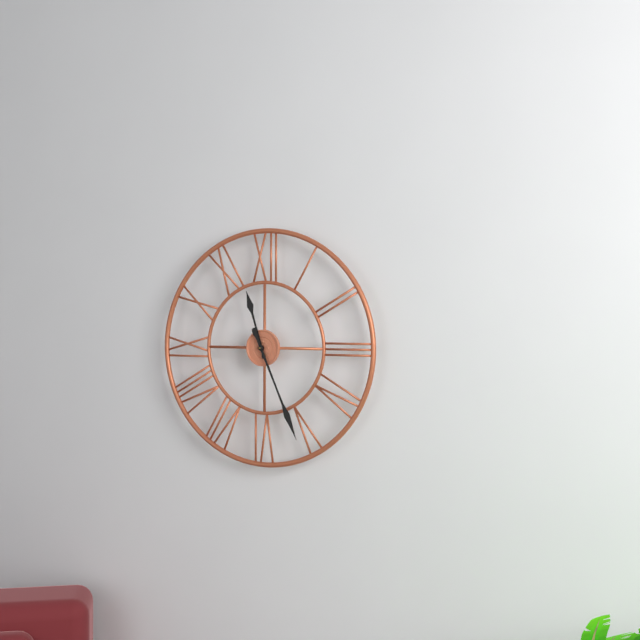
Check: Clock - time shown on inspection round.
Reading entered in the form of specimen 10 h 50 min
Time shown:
11 h 26 min
